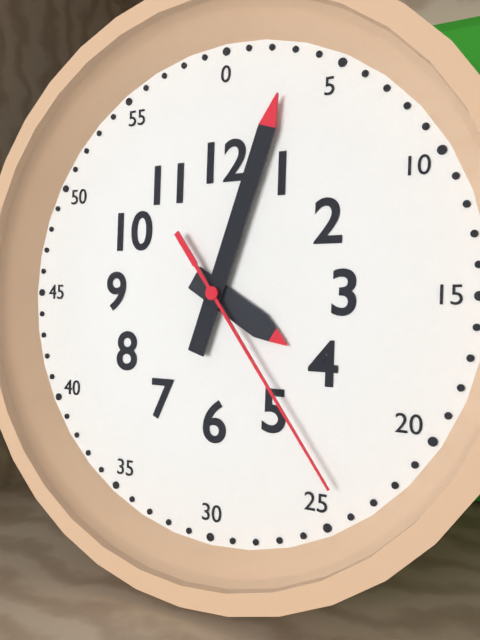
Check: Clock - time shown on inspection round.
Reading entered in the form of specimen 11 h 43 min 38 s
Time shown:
4 h 03 min 24 s
